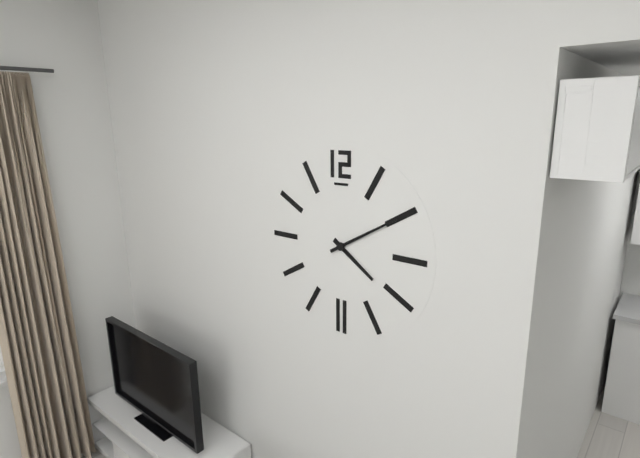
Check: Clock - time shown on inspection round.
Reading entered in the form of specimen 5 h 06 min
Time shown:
4 h 10 min
